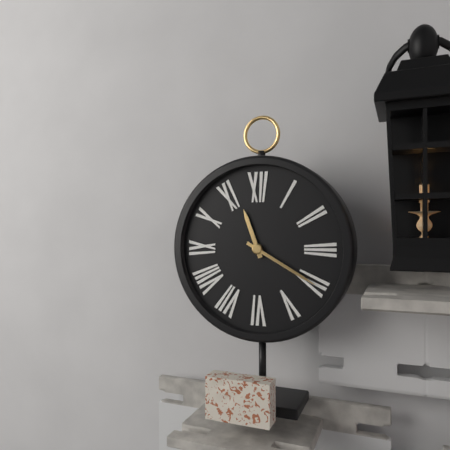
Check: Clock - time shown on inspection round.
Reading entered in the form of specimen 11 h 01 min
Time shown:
11 h 20 min
